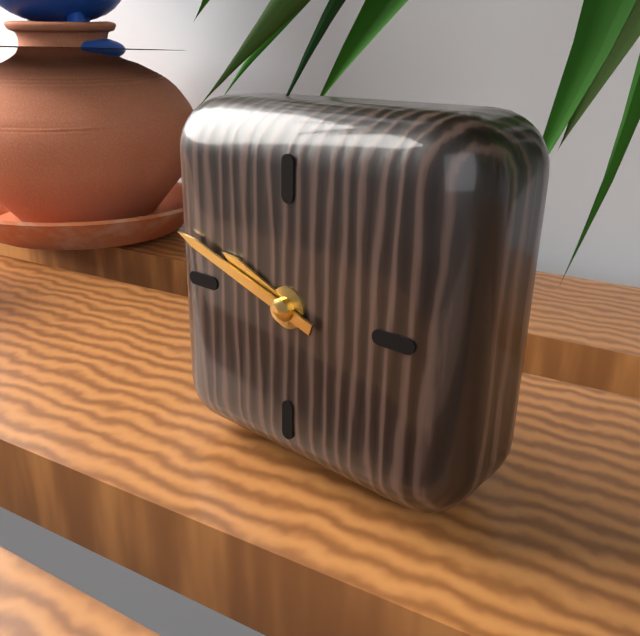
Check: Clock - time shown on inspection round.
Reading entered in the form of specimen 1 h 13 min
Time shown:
9 h 48 min
